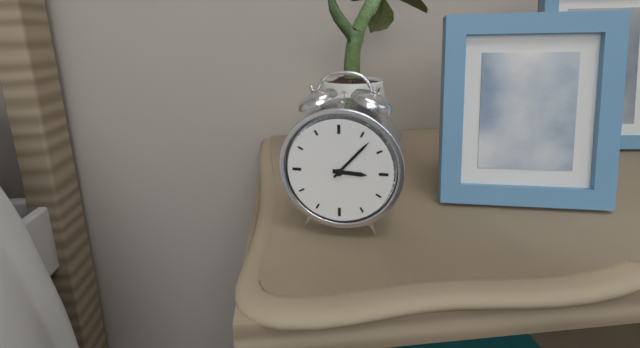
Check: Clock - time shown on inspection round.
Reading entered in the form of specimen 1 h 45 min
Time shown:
3 h 07 min
